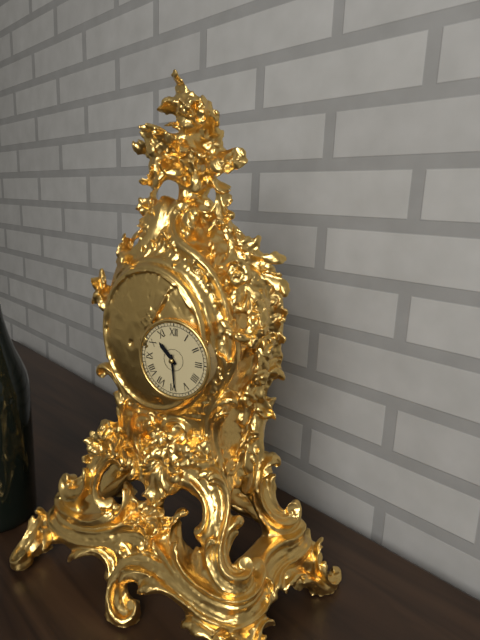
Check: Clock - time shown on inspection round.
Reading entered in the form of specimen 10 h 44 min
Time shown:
10 h 29 min
